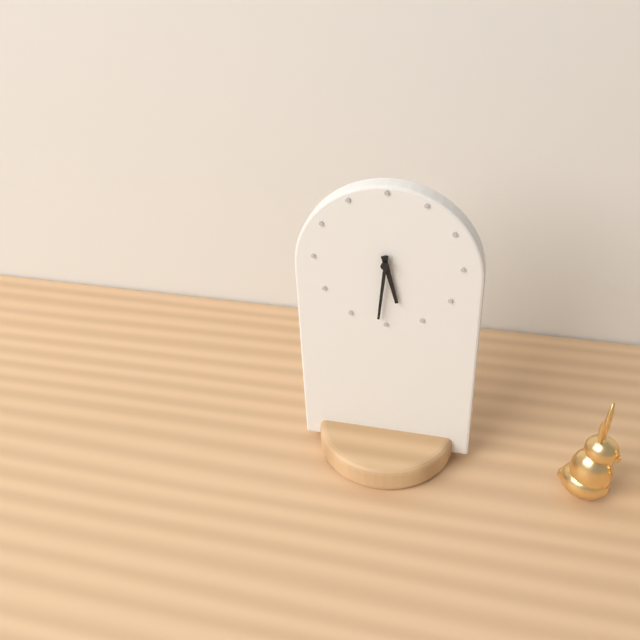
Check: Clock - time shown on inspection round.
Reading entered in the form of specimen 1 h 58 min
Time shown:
5 h 31 min
